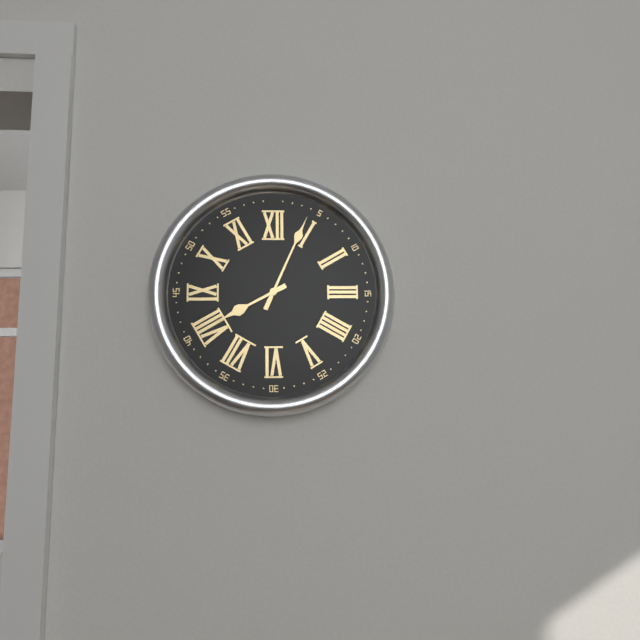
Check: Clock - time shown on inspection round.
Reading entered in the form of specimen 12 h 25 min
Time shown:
8 h 04 min
